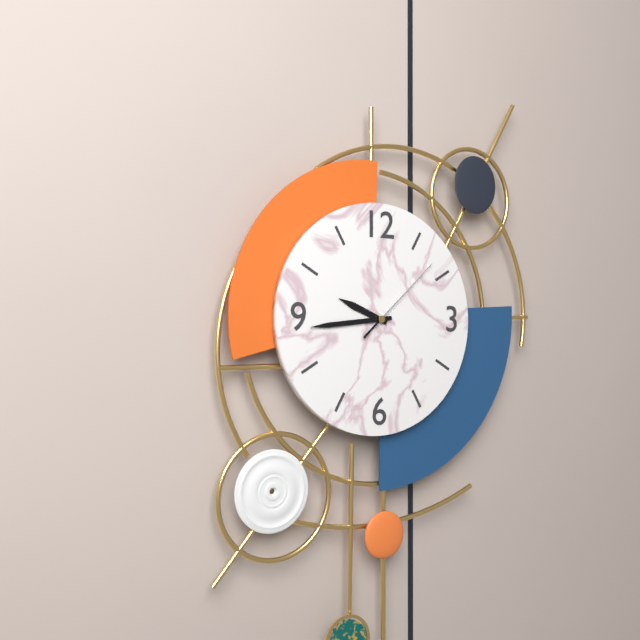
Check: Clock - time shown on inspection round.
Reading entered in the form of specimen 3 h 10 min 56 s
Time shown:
9 h 44 min 08 s
